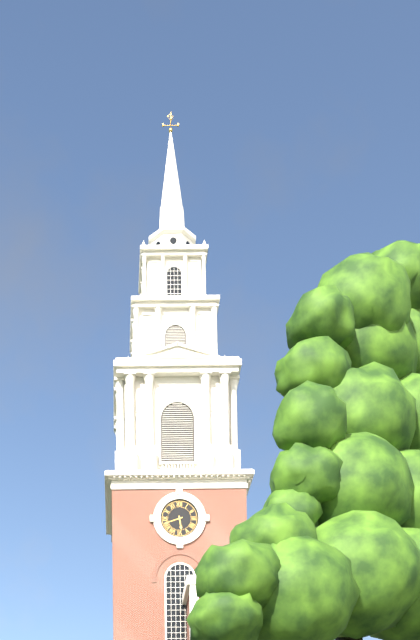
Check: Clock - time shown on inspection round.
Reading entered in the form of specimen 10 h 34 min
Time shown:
5 h 42 min
